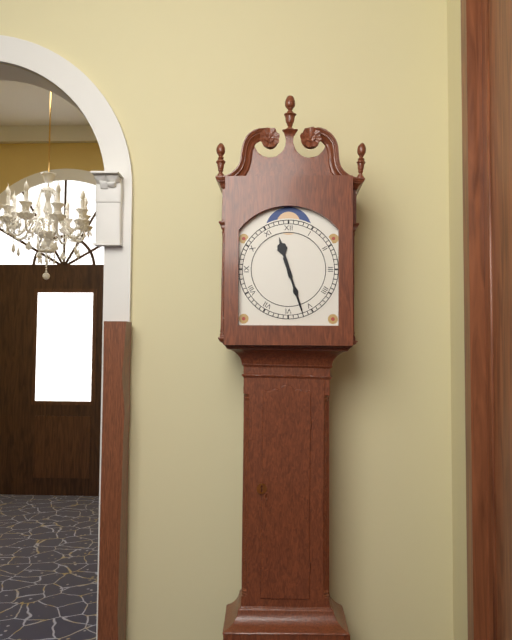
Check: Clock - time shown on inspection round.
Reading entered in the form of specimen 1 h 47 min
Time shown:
11 h 27 min
